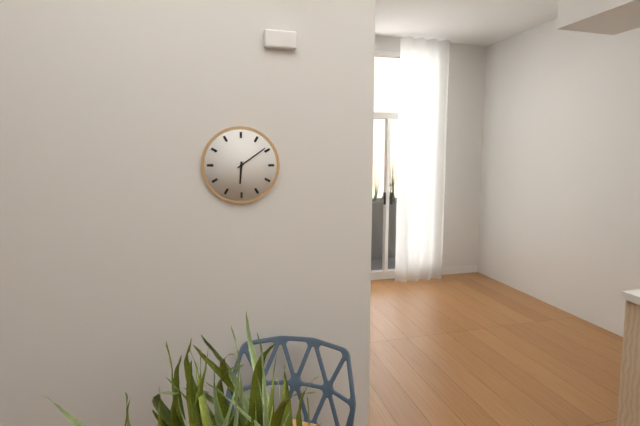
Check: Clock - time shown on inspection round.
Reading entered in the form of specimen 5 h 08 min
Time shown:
6 h 09 min
